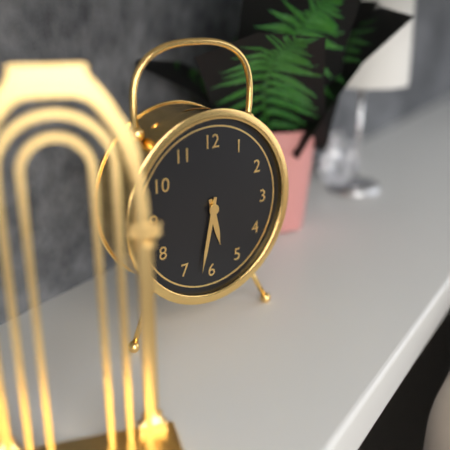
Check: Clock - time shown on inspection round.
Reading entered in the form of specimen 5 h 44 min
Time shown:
5 h 32 min
